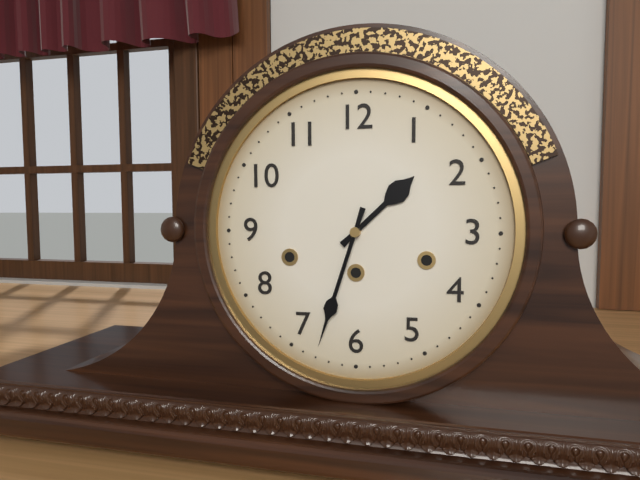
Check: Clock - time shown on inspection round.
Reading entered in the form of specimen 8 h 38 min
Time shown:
1 h 33 min
